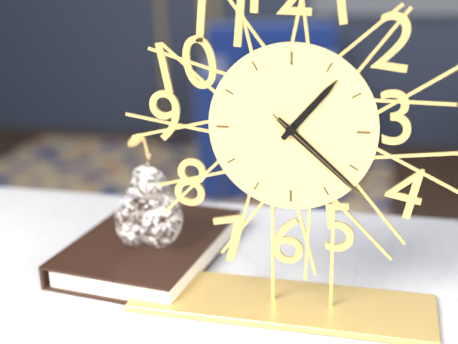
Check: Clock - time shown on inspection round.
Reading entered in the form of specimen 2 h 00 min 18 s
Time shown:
1 h 22 min 22 s
